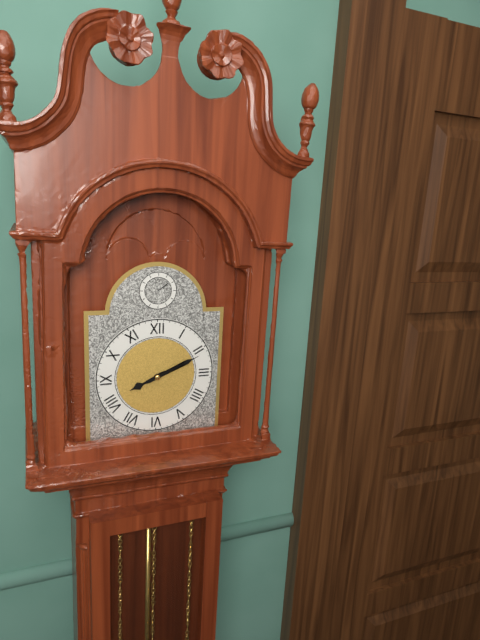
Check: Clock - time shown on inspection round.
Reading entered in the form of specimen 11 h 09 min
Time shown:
8 h 11 min
